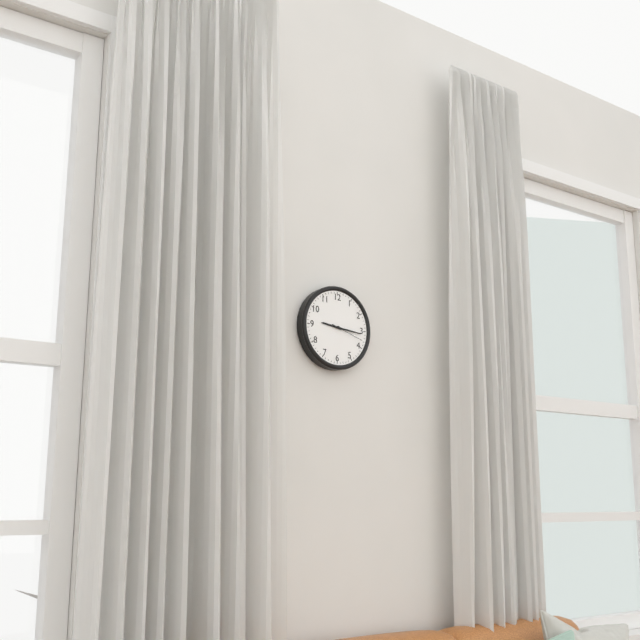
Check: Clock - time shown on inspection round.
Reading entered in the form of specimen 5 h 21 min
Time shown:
9 h 16 min
